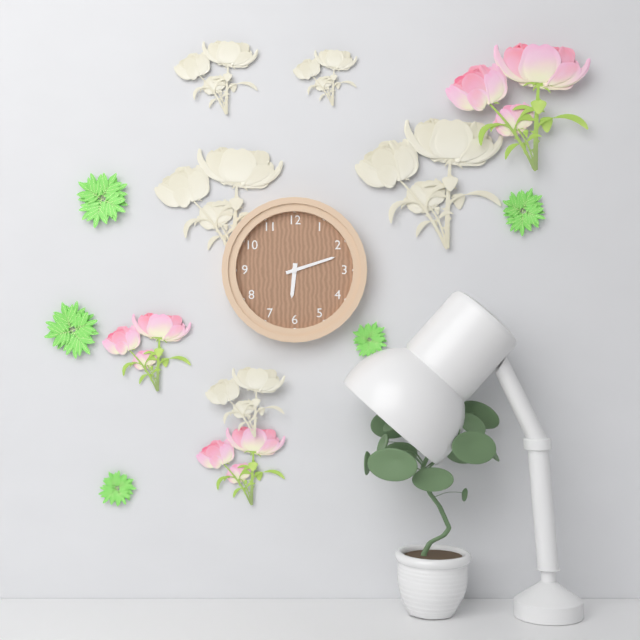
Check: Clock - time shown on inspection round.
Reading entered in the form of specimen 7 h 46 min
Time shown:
6 h 12 min
